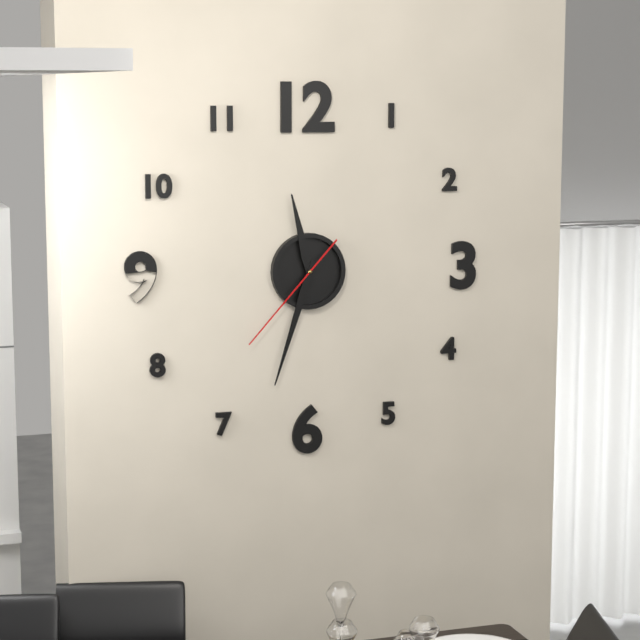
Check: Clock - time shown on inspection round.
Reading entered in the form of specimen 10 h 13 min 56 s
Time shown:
11 h 33 min 37 s
